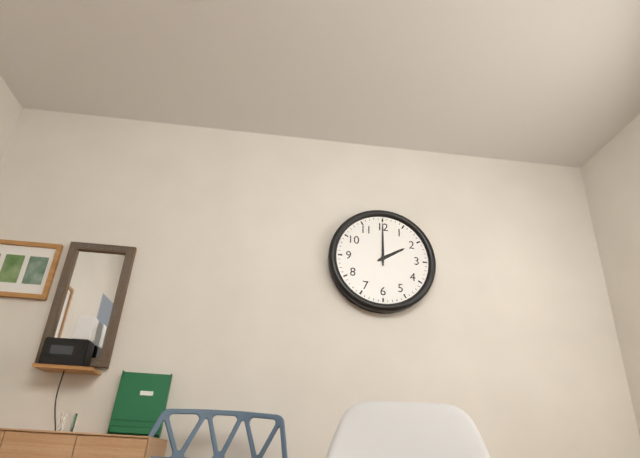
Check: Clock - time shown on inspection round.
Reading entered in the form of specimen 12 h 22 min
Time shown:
2 h 00 min
